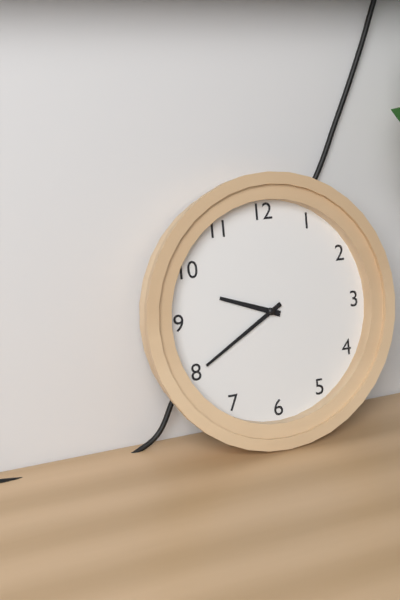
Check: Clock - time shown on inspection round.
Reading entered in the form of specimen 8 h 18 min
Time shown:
9 h 40 min
